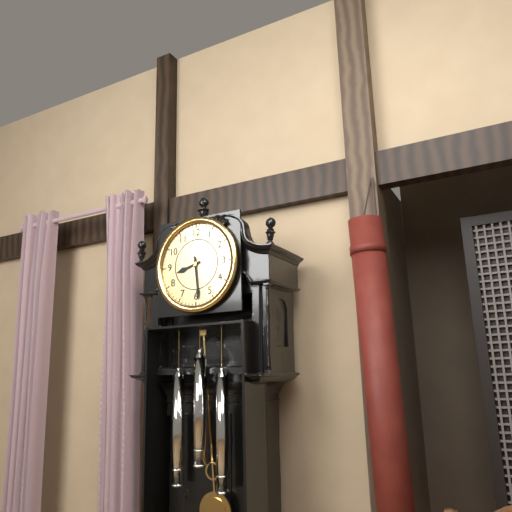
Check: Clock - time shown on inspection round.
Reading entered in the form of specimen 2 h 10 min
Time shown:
8 h 29 min
